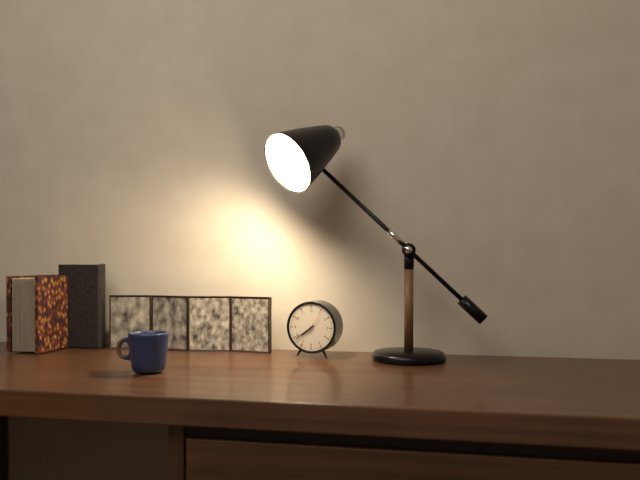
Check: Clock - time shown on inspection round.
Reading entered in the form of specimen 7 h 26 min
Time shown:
7 h 39 min
